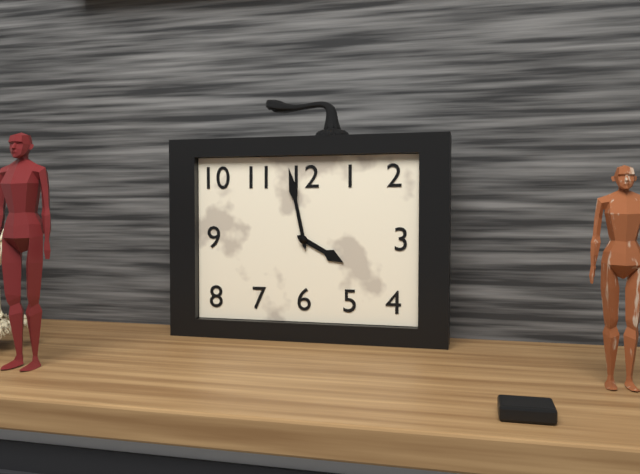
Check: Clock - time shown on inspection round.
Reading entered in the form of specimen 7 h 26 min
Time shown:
3 h 58 min
